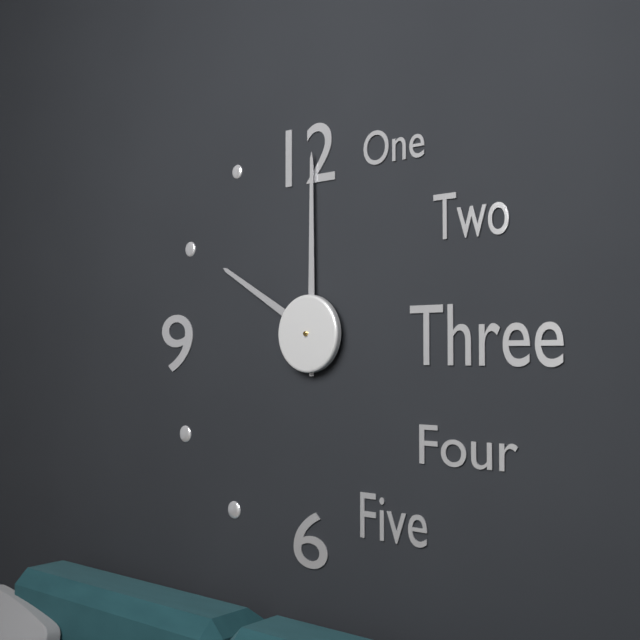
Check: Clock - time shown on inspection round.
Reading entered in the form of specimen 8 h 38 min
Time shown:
10 h 00 min
